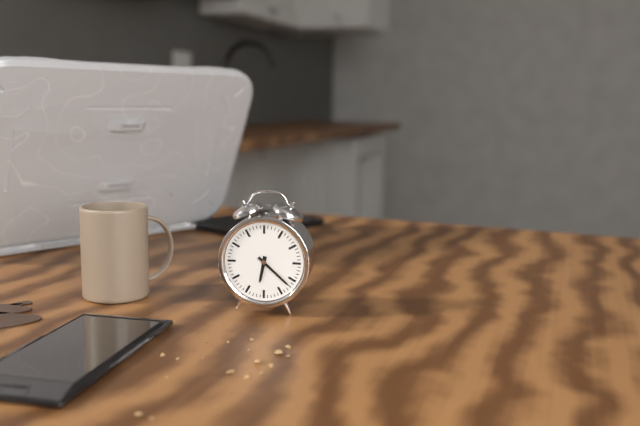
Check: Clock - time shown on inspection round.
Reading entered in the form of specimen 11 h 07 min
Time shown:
6 h 22 min
